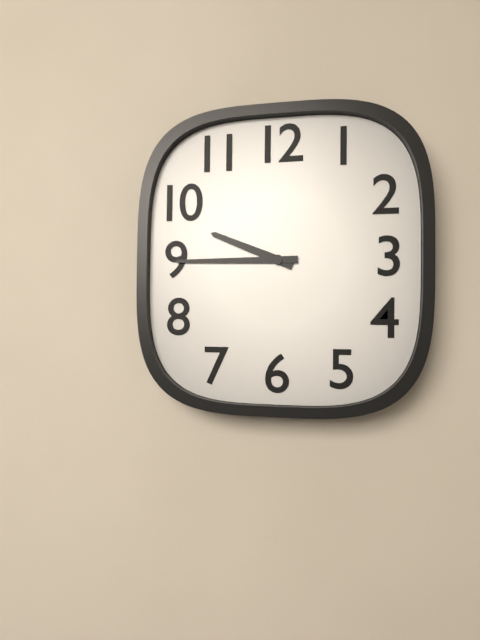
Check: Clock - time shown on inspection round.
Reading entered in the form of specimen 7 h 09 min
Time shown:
9 h 45 min
